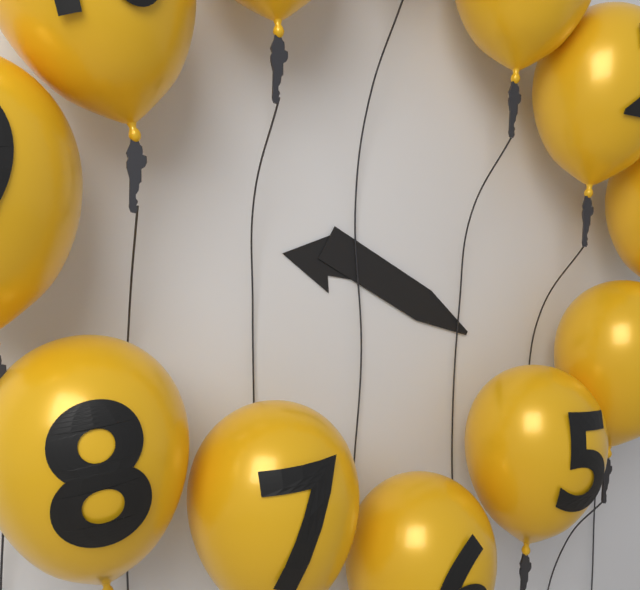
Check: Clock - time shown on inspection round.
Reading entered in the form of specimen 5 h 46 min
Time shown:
9 h 20 min
